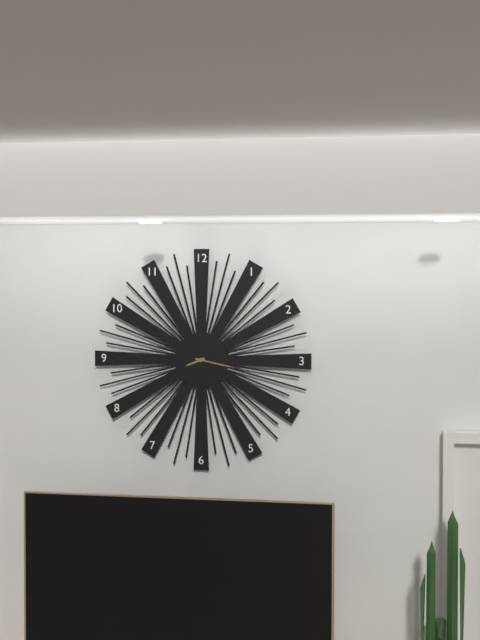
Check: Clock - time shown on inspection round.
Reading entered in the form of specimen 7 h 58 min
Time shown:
8 h 17 min
